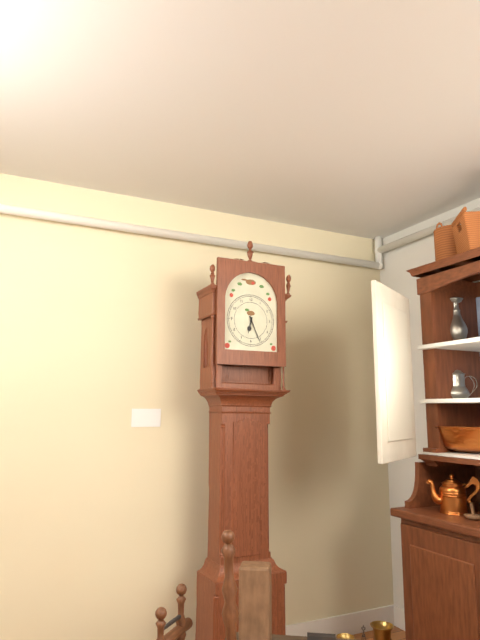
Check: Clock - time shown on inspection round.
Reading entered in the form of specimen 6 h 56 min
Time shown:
6 h 26 min
